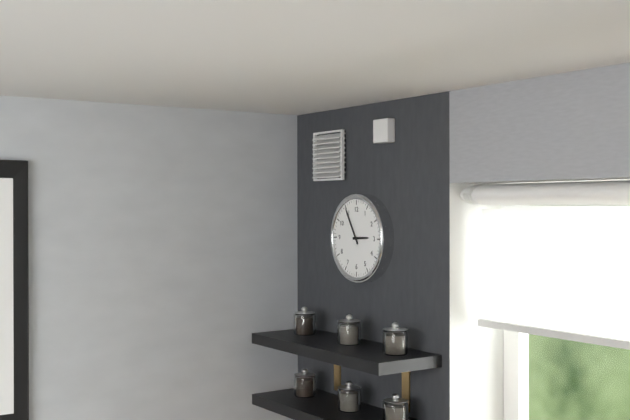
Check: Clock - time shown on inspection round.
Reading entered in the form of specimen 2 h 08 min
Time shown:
2 h 55 min
